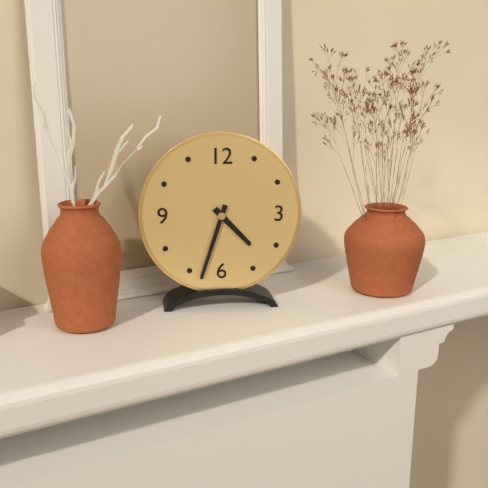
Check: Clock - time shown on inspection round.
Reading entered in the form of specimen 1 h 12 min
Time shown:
4 h 33 min
